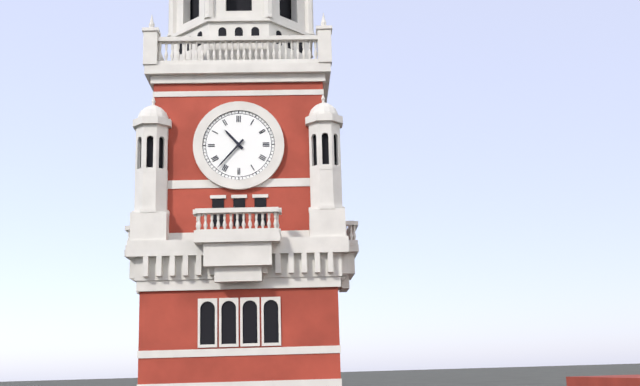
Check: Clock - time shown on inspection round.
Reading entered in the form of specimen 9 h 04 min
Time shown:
10 h 37 min
